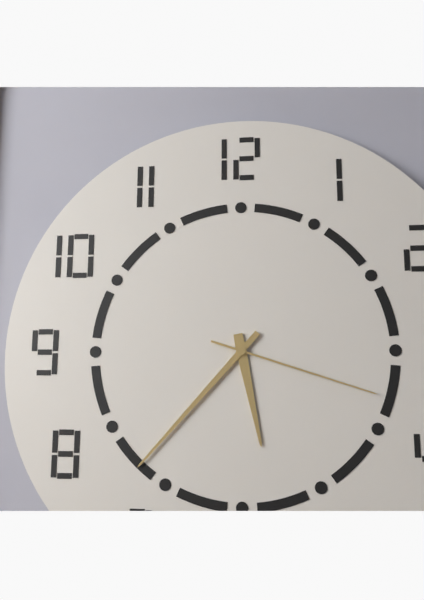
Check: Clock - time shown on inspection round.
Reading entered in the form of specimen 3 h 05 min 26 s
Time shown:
5 h 37 min 18 s
